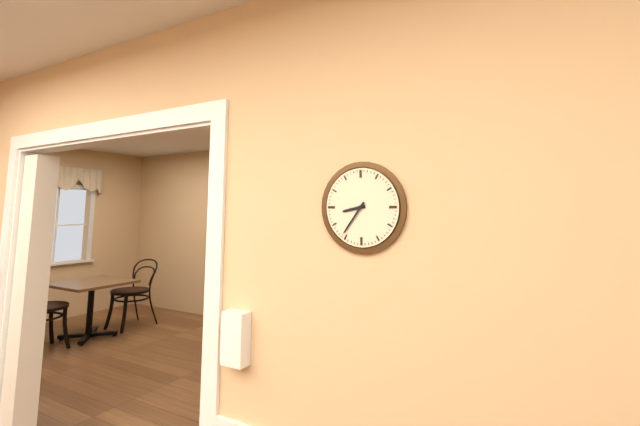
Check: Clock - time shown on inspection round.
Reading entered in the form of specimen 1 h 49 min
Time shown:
8 h 36 min
